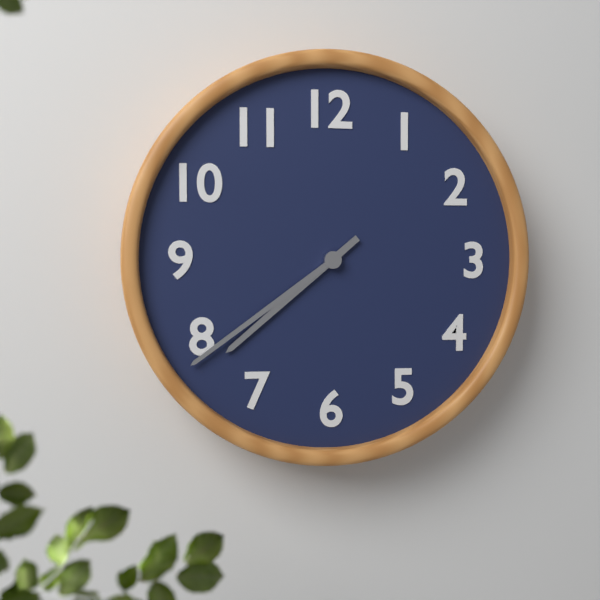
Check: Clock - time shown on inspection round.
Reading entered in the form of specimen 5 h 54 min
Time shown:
7 h 39 min
